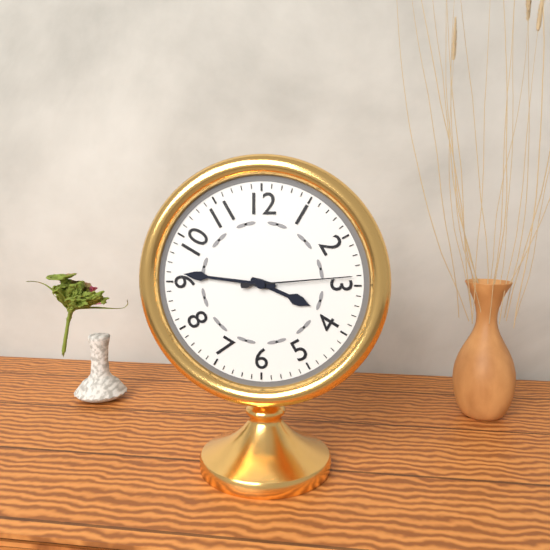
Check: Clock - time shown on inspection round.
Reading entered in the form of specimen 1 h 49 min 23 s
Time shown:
3 h 46 min 14 s
